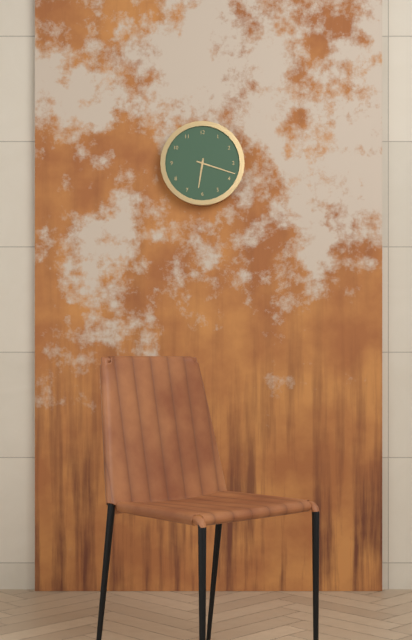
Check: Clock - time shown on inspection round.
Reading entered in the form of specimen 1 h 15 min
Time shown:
6 h 18 min
